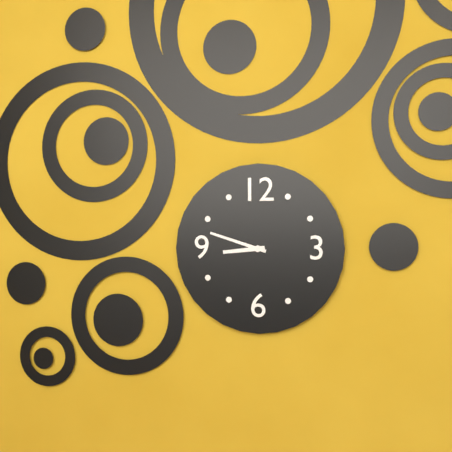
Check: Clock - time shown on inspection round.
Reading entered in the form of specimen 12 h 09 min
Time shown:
8 h 48 min
